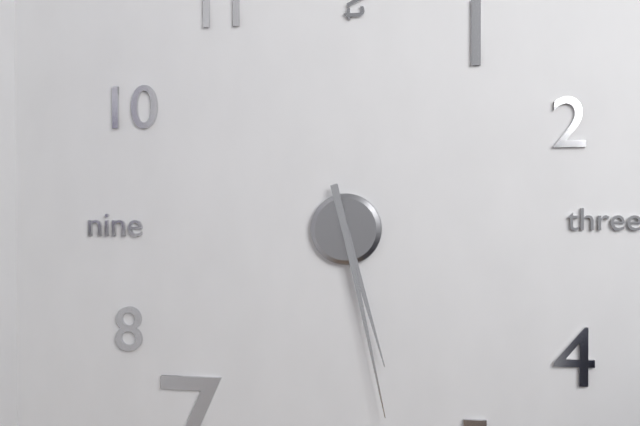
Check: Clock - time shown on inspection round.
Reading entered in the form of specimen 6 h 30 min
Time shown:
5 h 28 min
